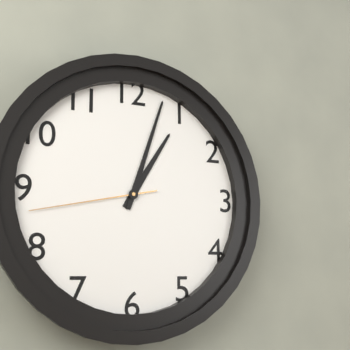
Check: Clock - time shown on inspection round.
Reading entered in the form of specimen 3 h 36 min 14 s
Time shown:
1 h 03 min 43 s
